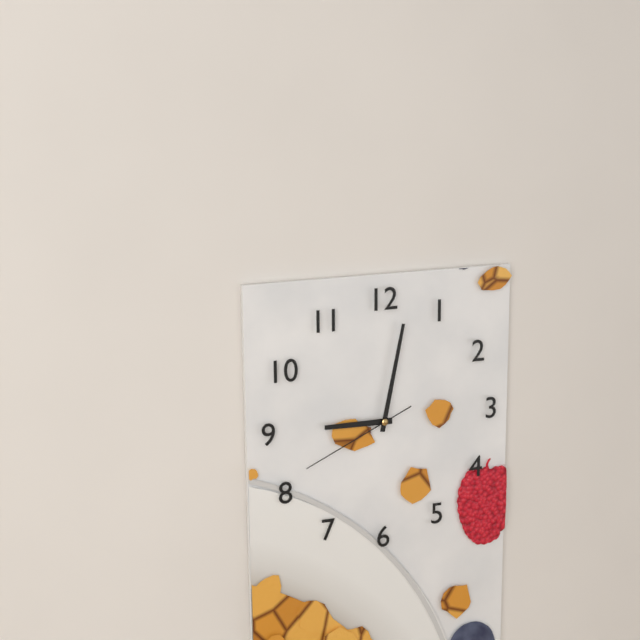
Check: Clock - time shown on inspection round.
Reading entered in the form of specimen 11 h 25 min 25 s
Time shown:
9 h 02 min 41 s
